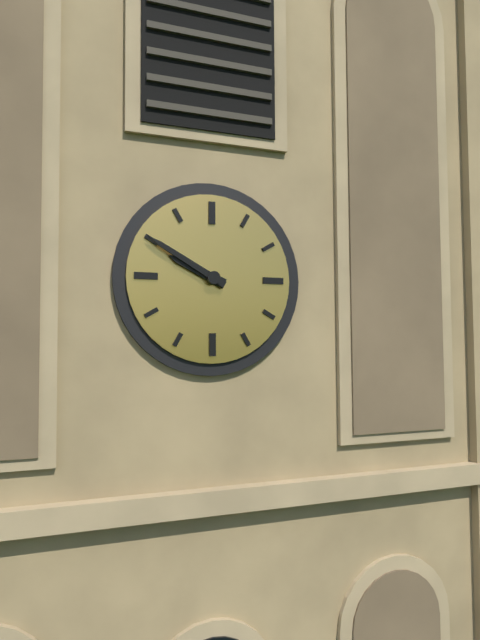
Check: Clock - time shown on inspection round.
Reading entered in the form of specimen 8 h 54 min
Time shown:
9 h 50 min
